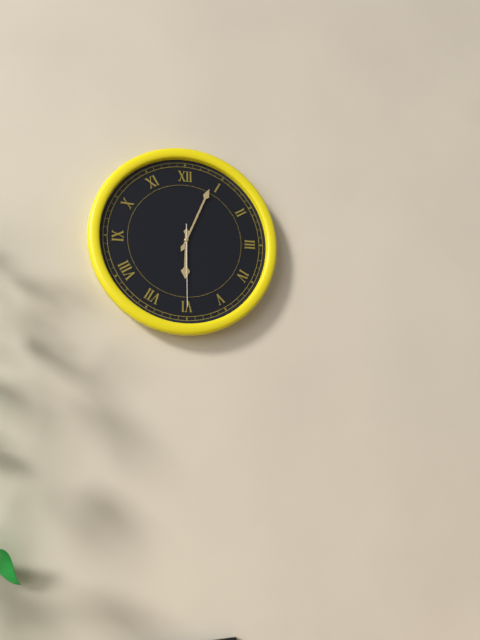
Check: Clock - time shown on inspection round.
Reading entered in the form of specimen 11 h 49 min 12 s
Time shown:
6 h 04 min 30 s
